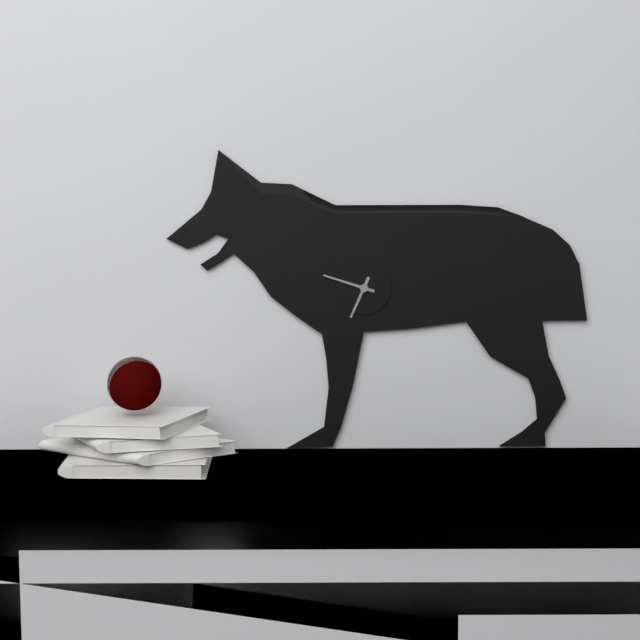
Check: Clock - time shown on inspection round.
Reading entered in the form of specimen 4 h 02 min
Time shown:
6 h 48 min
